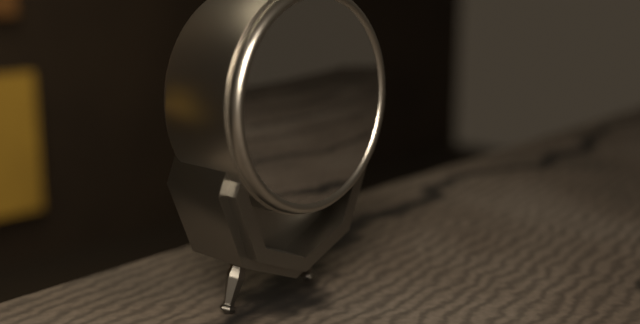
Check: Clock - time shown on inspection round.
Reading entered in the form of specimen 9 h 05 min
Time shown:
8 h 43 min
